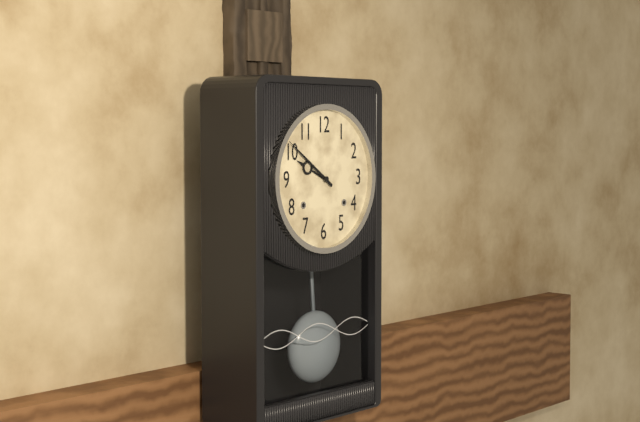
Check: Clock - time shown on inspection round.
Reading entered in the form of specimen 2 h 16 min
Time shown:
9 h 51 min
